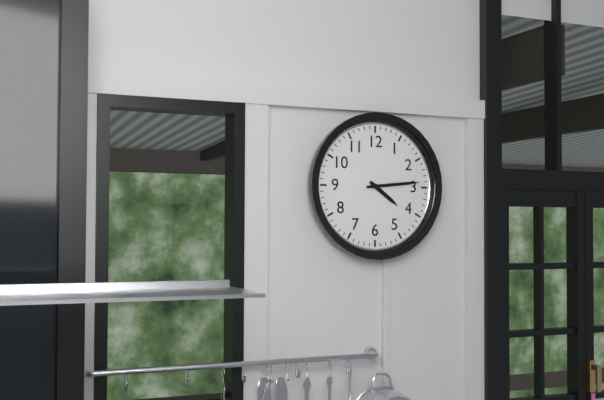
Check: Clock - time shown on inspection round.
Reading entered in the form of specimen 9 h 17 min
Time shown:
4 h 14 min
